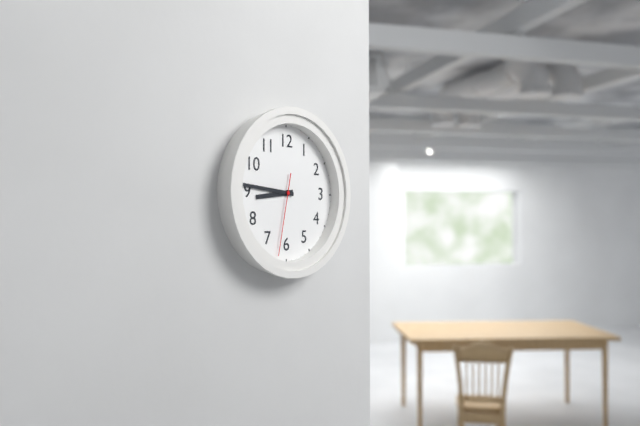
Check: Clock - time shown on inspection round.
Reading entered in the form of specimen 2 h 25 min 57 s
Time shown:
8 h 46 min 32 s
